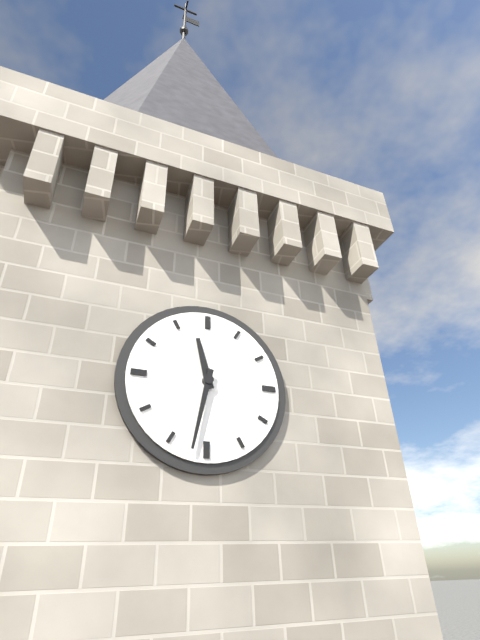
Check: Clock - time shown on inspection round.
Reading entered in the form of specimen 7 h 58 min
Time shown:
11 h 32 min
